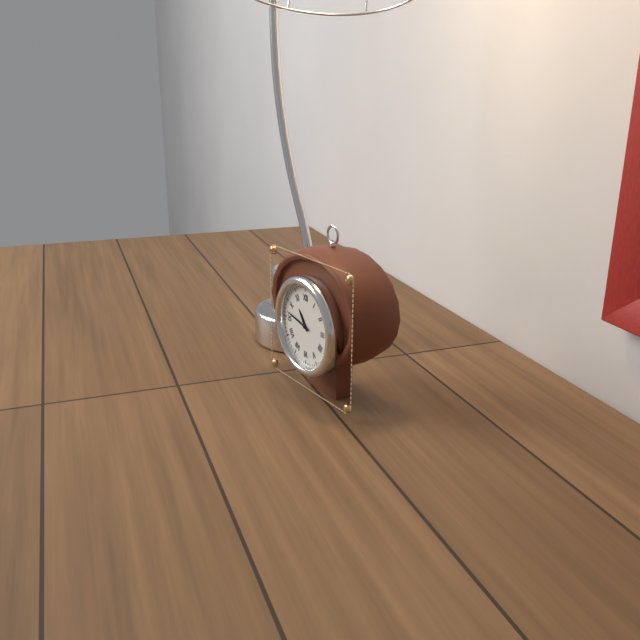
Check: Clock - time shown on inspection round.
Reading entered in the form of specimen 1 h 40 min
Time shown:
10 h 47 min
